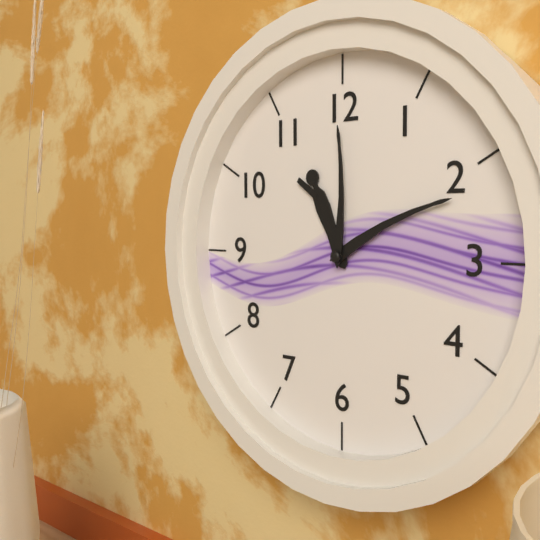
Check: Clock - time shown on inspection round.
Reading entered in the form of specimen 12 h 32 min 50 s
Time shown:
11 h 11 min 00 s
